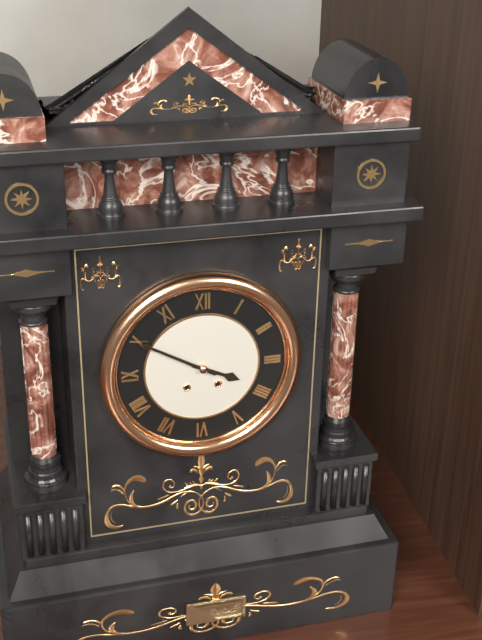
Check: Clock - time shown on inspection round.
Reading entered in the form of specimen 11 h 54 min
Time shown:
3 h 50 min
